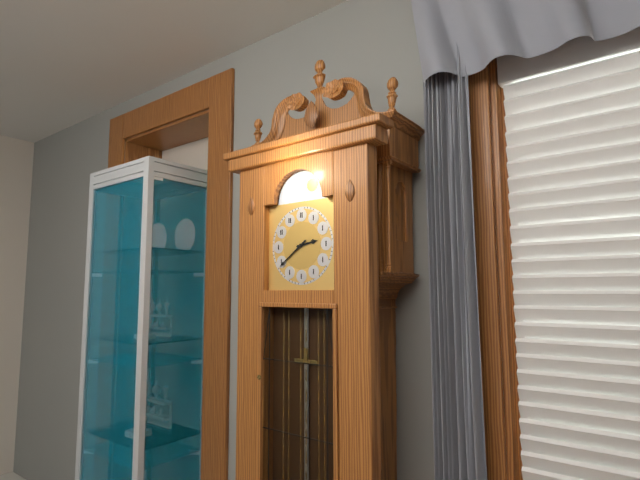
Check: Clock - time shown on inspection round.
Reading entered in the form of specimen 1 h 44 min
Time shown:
2 h 39 min
